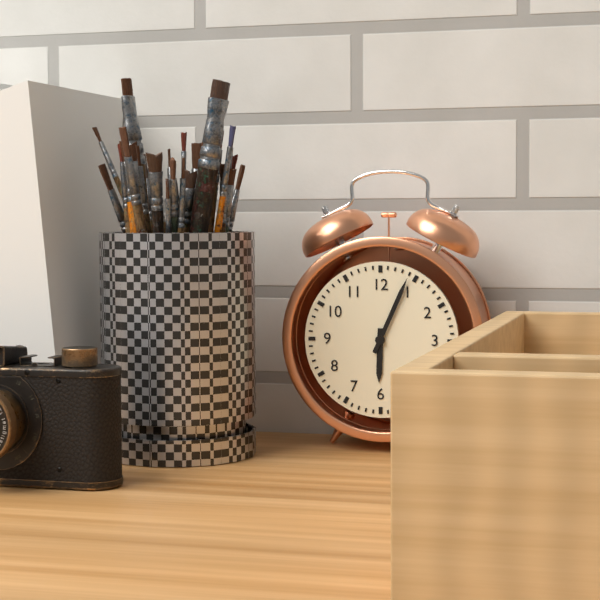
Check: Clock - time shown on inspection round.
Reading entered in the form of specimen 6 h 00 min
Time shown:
6 h 04 min
